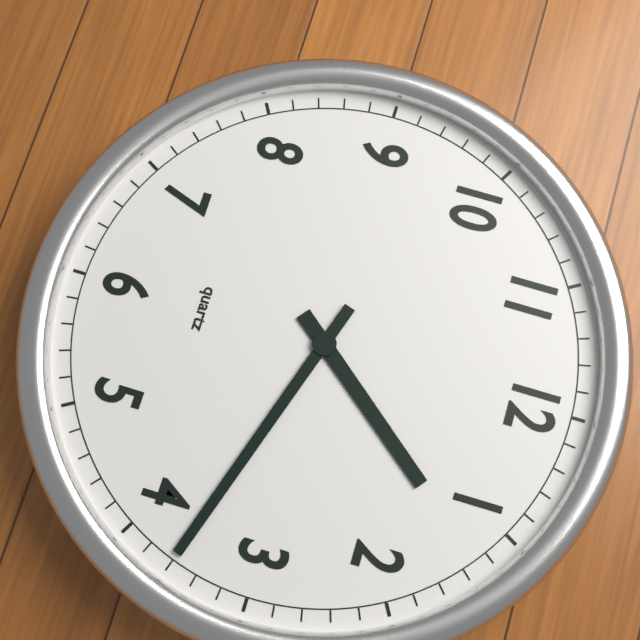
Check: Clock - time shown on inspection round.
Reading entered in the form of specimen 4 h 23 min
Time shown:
1 h 18 min
